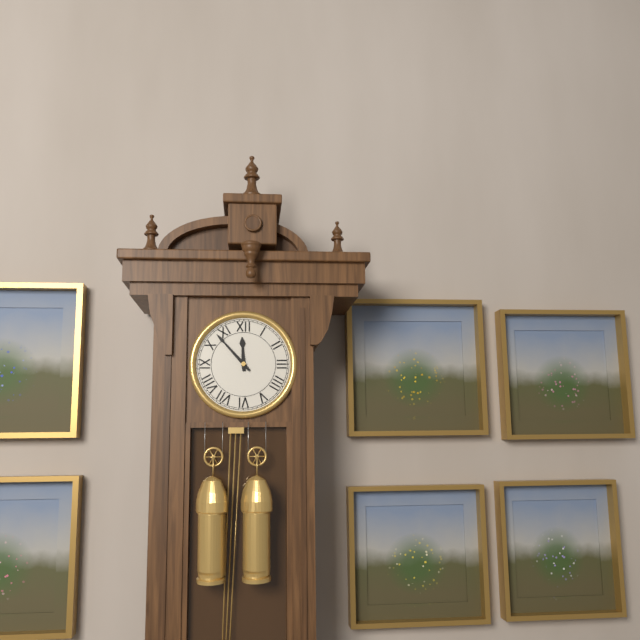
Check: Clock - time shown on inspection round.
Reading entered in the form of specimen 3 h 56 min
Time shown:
11 h 53 min
